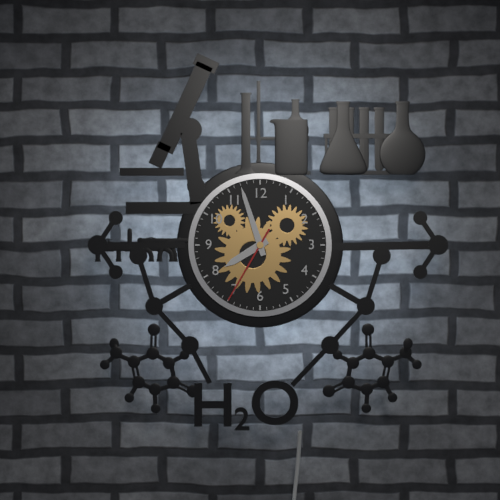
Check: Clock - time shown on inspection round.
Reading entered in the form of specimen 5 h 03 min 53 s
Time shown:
7 h 57 min 35 s
